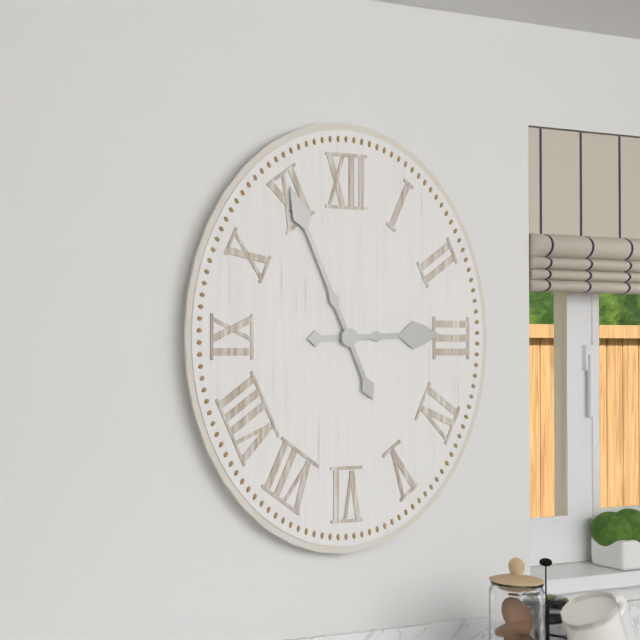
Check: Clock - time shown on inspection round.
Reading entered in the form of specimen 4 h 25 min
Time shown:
2 h 56 min
